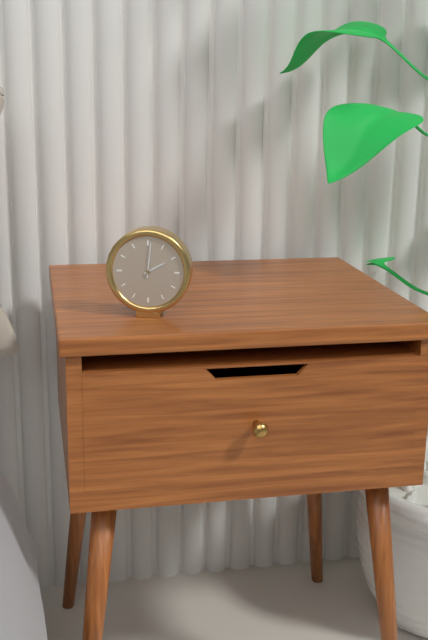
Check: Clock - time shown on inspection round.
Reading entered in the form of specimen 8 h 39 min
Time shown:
2 h 01 min
